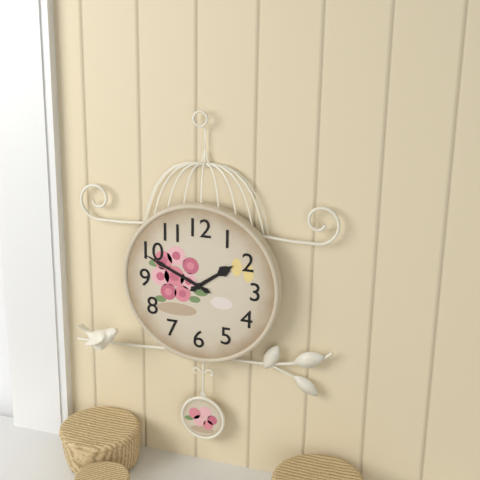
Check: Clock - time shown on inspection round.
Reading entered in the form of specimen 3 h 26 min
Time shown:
1 h 49 min
